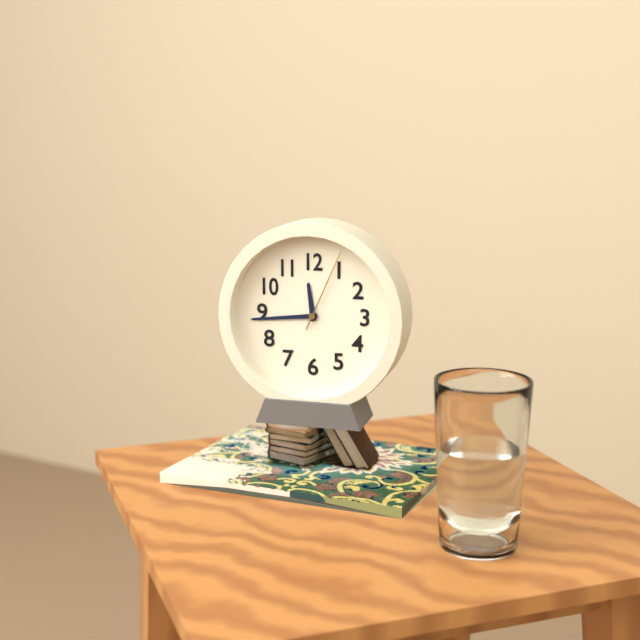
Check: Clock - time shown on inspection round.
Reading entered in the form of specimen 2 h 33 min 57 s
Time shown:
11 h 44 min 04 s
